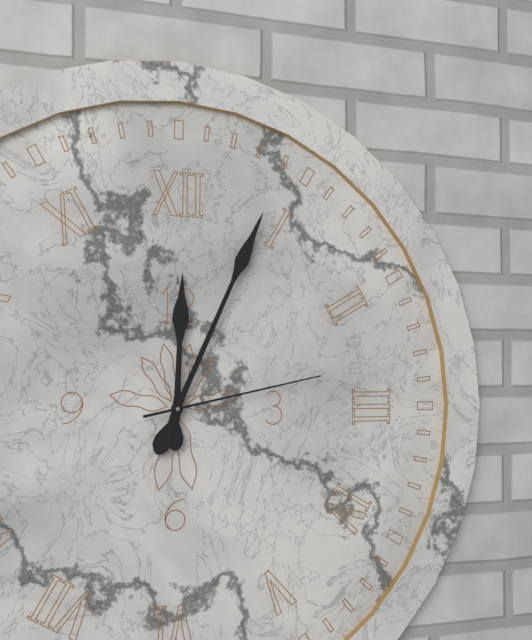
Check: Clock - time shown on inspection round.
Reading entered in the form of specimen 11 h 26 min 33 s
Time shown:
12 h 04 min 13 s
